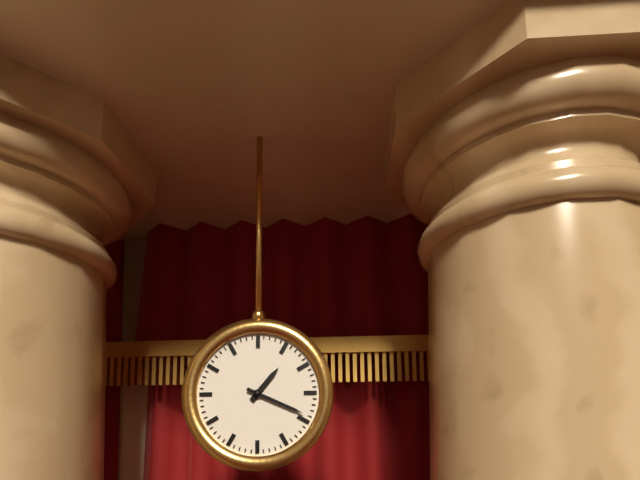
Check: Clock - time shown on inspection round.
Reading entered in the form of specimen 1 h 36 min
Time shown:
1 h 19 min
